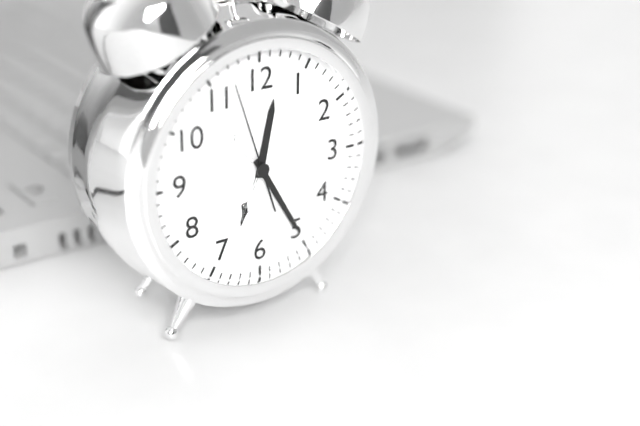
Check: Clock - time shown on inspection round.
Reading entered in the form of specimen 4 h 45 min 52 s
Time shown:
12 h 25 min 57 s
